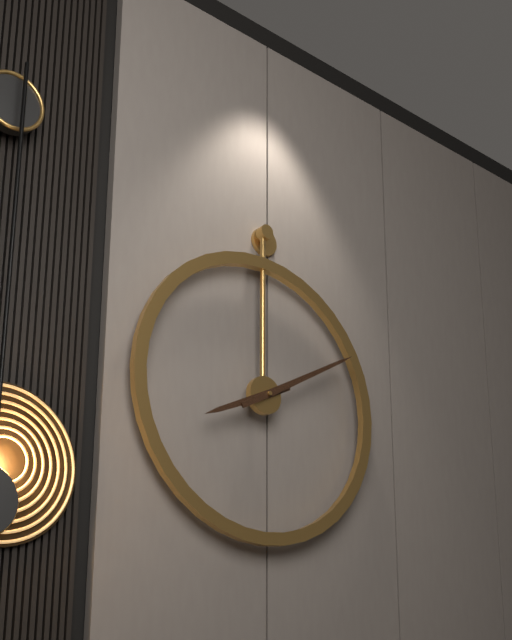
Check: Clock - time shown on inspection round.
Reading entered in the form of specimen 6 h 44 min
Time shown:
8 h 10 min
